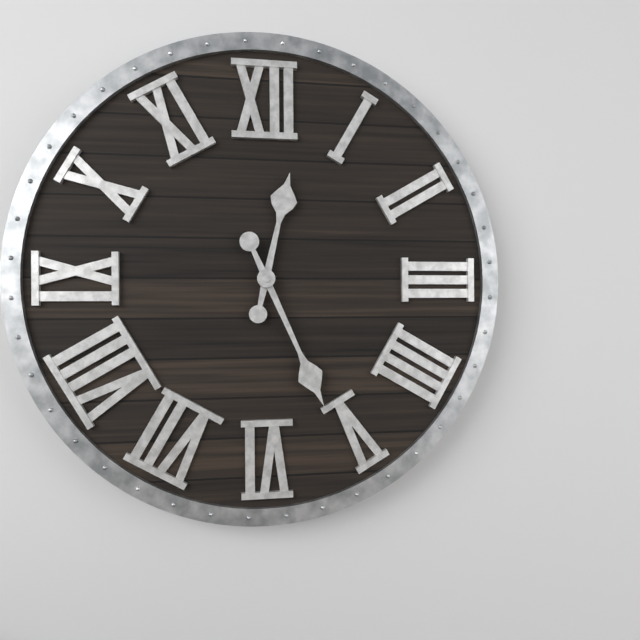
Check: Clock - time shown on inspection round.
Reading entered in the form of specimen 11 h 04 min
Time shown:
12 h 26 min
